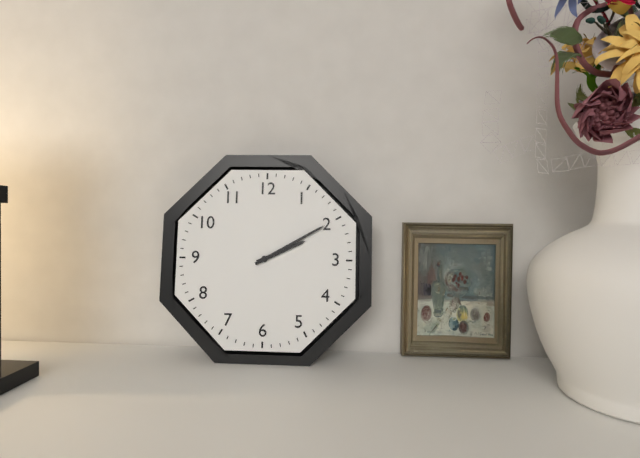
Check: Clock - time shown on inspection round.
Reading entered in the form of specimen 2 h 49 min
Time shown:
2 h 10 min
